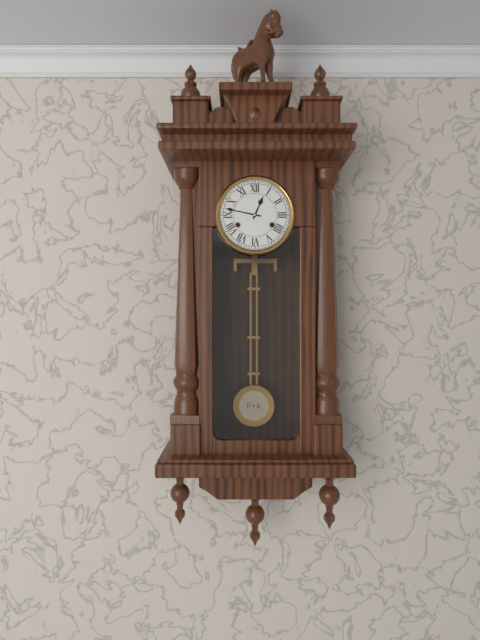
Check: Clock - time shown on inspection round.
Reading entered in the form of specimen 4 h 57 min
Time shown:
12 h 47 min
